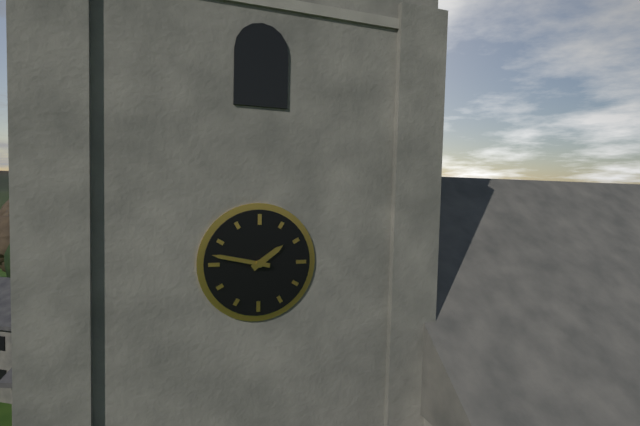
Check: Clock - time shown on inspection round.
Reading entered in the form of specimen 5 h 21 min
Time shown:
1 h 47 min
